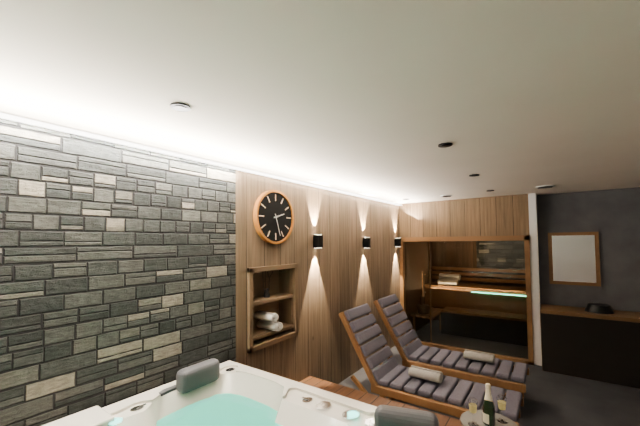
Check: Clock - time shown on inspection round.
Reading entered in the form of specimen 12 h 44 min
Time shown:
2 h 27 min
